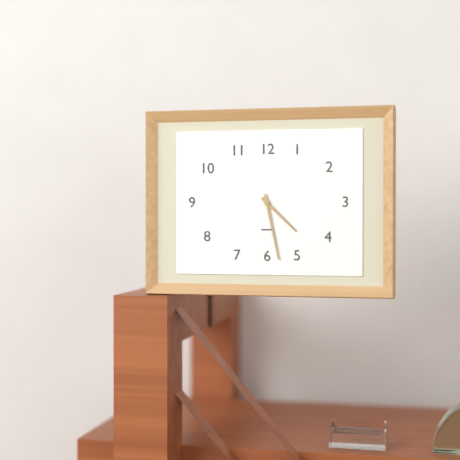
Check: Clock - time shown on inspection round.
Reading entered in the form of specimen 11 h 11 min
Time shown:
4 h 28 min
